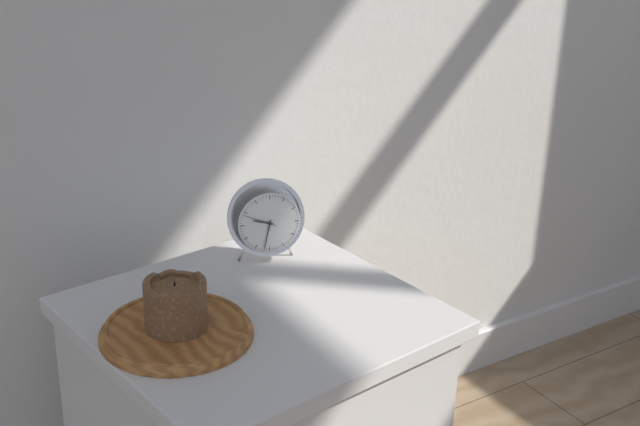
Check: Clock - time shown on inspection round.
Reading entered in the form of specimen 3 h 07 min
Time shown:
9 h 32 min
